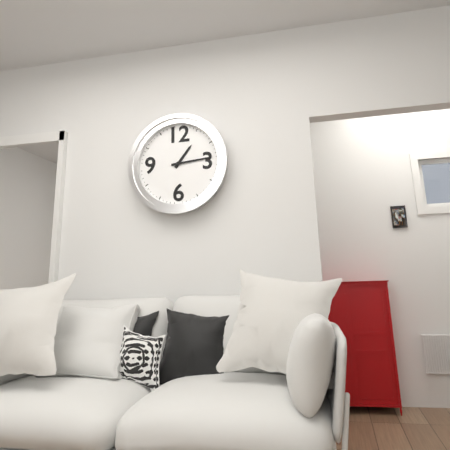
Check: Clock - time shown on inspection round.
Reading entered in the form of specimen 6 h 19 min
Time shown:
1 h 14 min
